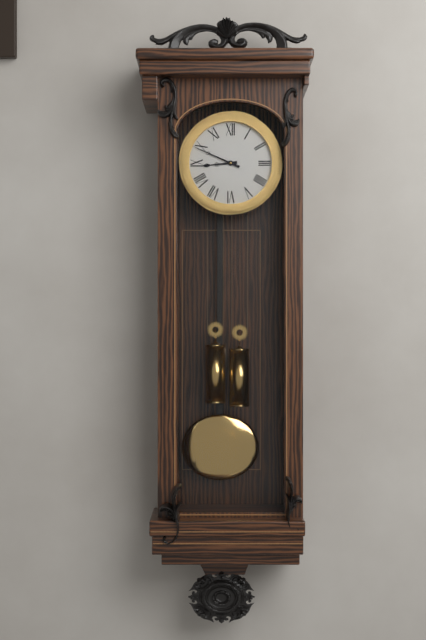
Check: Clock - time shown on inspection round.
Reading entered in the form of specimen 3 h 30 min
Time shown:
8 h 49 min
